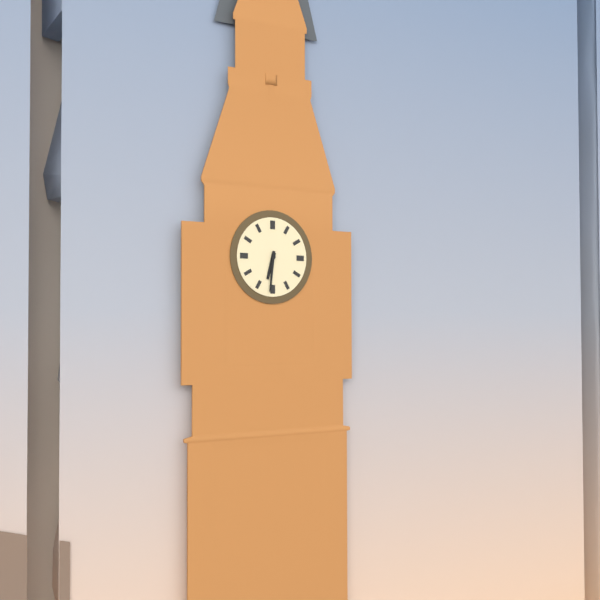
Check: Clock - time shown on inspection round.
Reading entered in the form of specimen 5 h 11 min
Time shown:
6 h 31 min
